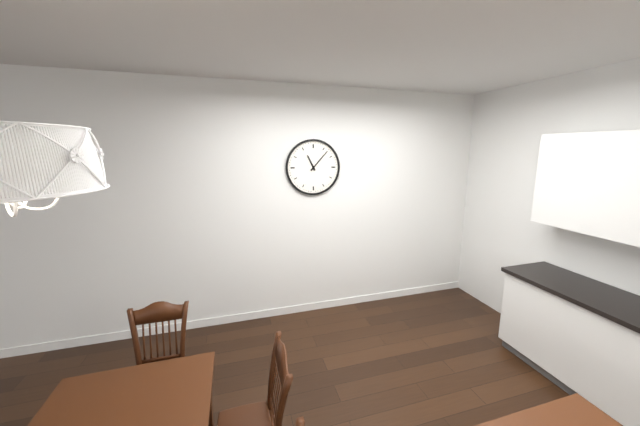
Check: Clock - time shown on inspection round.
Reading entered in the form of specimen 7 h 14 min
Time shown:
11 h 07 min
